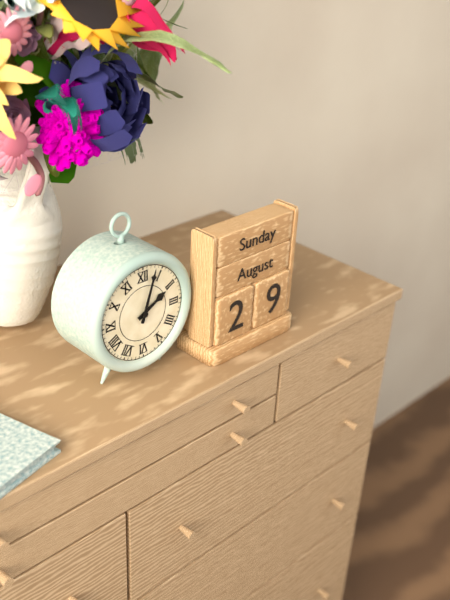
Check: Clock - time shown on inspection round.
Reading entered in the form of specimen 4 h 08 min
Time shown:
2 h 03 min
